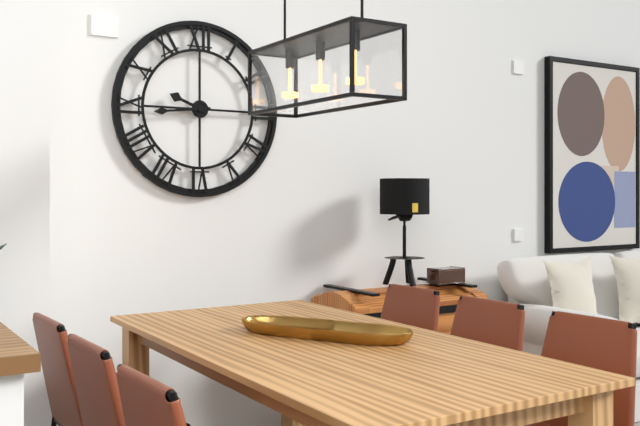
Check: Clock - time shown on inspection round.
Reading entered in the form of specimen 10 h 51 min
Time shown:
9 h 44 min
